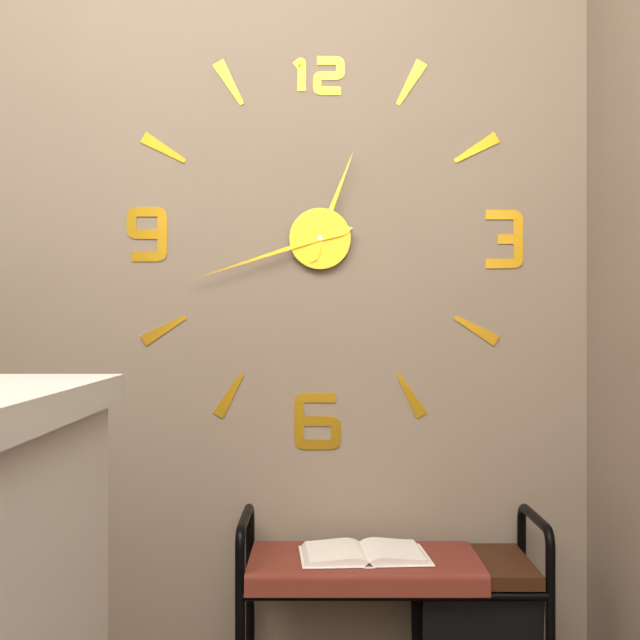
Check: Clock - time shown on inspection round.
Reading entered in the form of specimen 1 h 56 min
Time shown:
12 h 42 min
